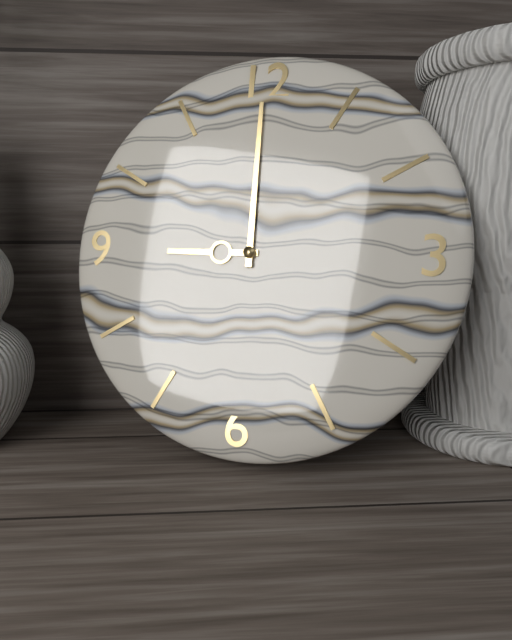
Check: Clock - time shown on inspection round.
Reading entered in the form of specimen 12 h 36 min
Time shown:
9 h 00 min
